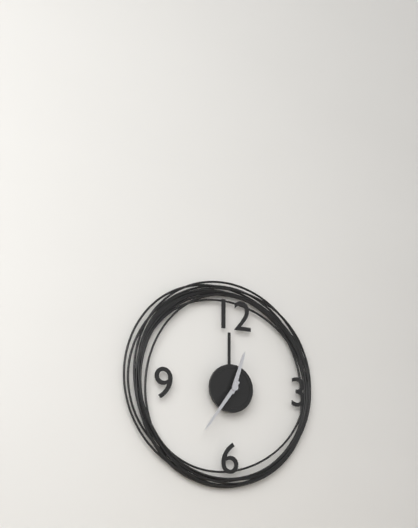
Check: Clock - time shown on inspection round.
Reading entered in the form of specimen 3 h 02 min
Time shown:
12 h 36 min
